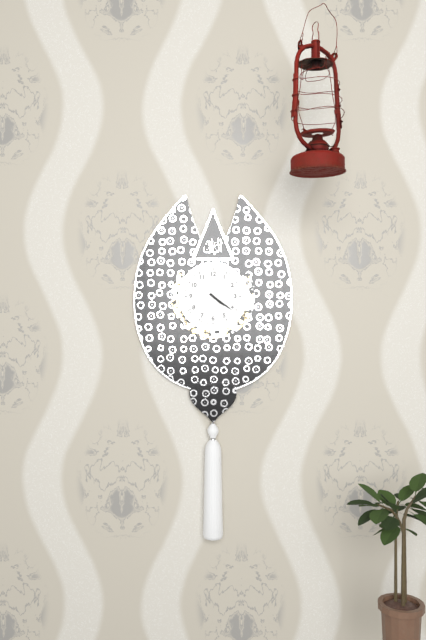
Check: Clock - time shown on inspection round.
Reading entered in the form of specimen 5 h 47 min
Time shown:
4 h 21 min
